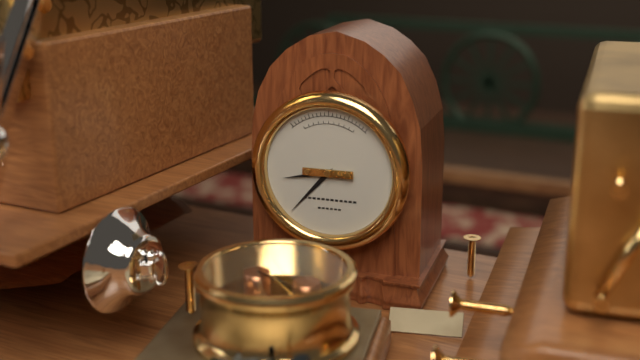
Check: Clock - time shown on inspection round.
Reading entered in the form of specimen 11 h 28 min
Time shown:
8 h 37 min
